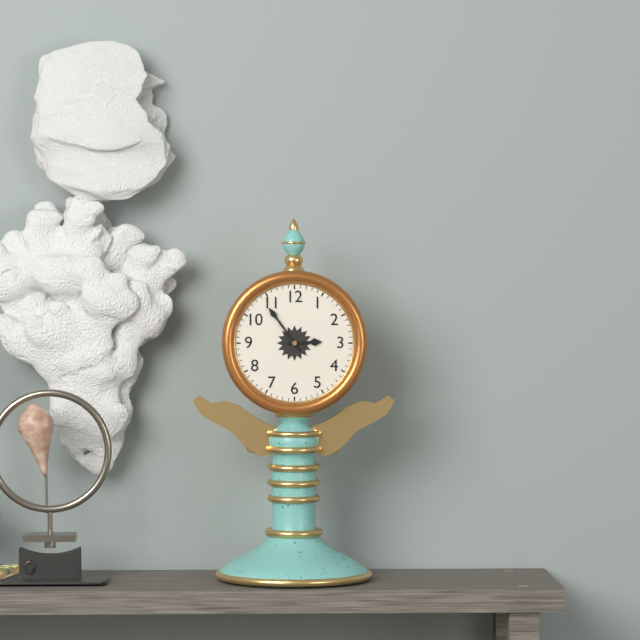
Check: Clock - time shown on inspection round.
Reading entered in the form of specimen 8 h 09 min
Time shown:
2 h 54 min
